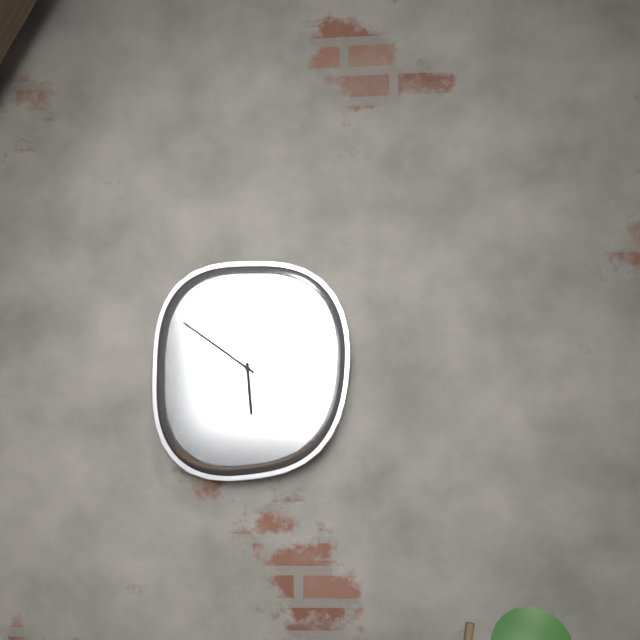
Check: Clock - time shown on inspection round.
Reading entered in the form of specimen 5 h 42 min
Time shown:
5 h 51 min
